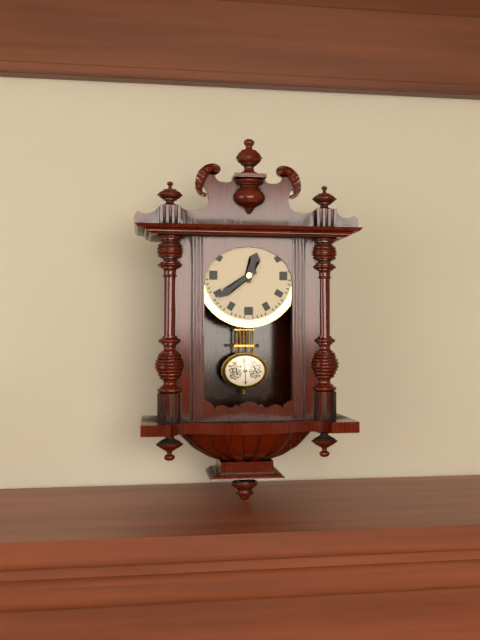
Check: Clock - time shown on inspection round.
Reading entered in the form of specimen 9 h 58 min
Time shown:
12 h 39 min
